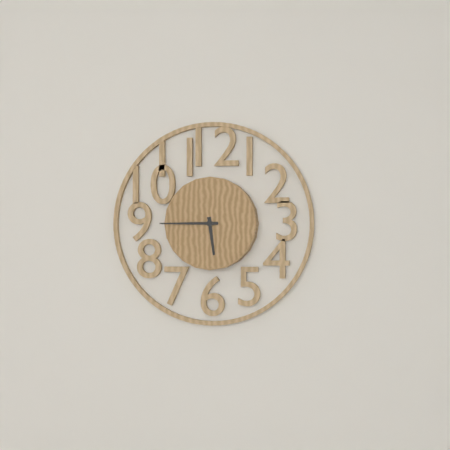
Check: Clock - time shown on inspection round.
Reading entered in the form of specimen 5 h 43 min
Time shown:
5 h 45 min
